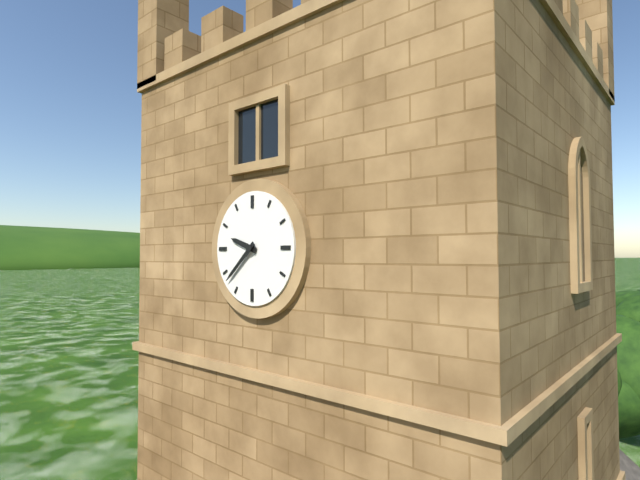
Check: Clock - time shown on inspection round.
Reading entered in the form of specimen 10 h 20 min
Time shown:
9 h 38 min
